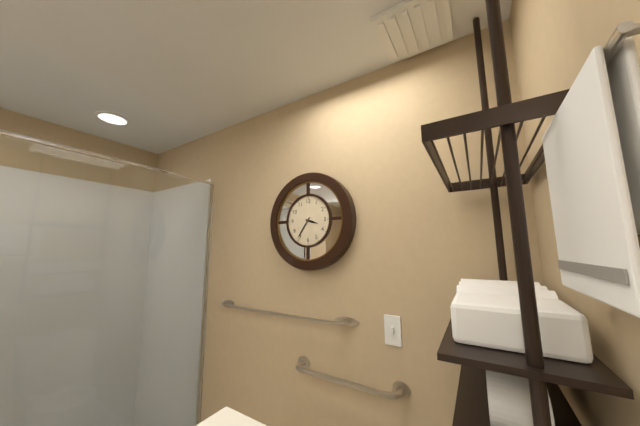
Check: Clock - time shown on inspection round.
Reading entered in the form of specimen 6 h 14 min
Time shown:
3 h 36 min
